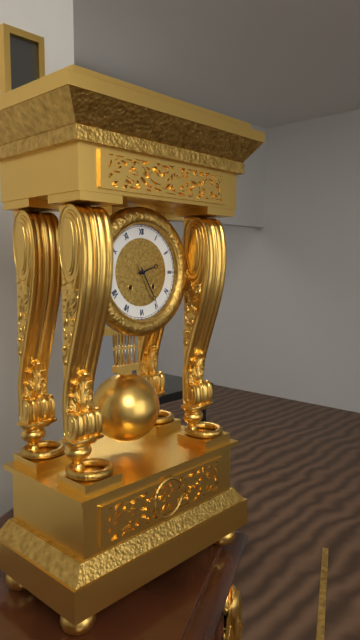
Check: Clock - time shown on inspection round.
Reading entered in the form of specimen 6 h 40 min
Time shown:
2 h 25 min
